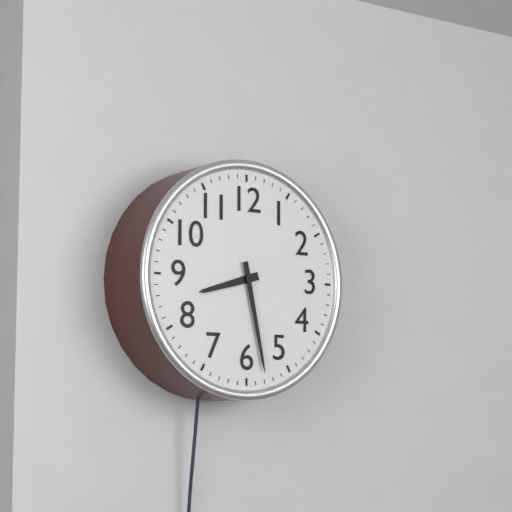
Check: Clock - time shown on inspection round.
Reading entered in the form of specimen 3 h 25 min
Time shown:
8 h 28 min
